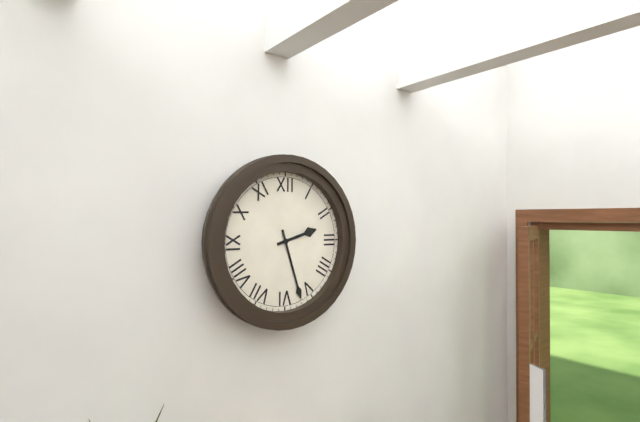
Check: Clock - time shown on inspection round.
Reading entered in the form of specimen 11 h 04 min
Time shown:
2 h 27 min
